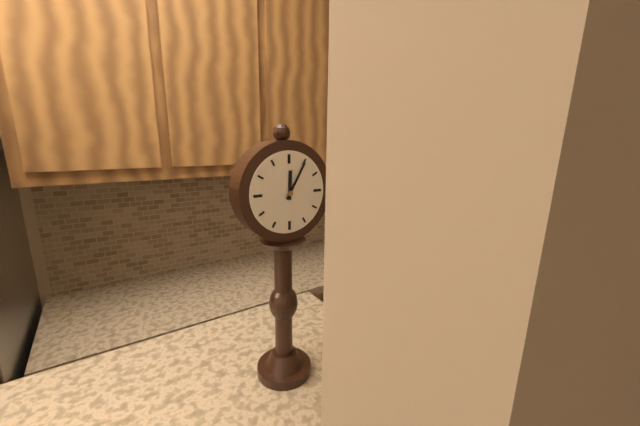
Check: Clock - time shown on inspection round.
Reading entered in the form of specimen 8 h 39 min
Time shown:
12 h 05 min
